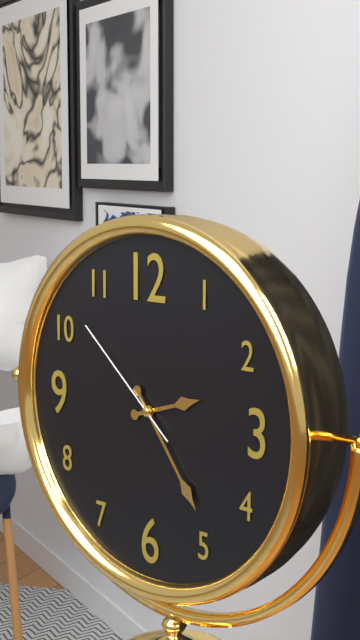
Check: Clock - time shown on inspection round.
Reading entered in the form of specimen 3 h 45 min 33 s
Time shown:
2 h 24 min 52 s
